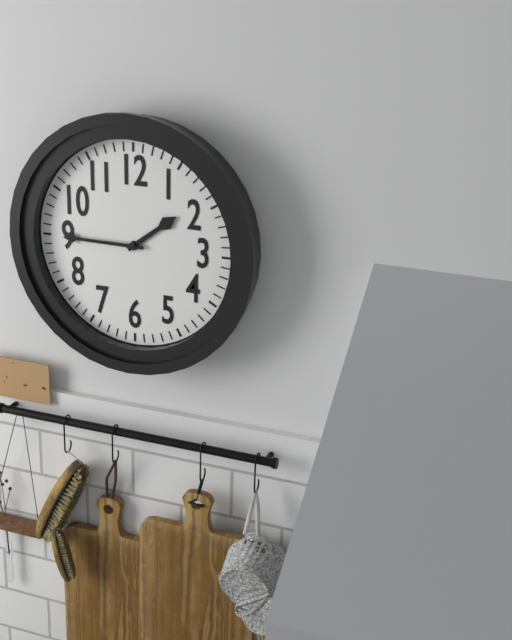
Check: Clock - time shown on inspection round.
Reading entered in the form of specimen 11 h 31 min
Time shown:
1 h 45 min
